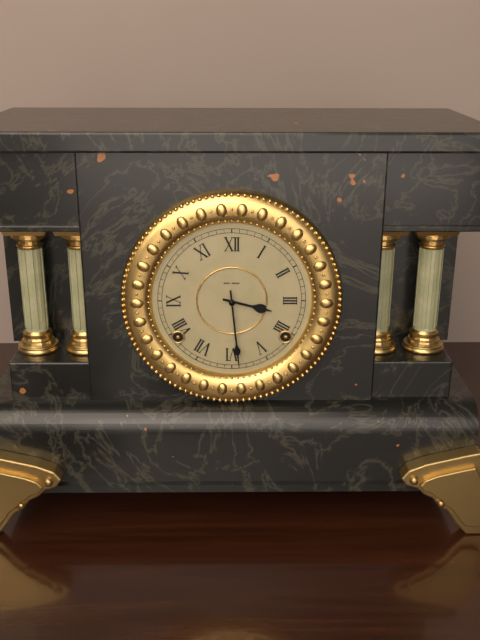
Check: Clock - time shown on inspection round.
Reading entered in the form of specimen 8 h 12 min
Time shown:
3 h 29 min
